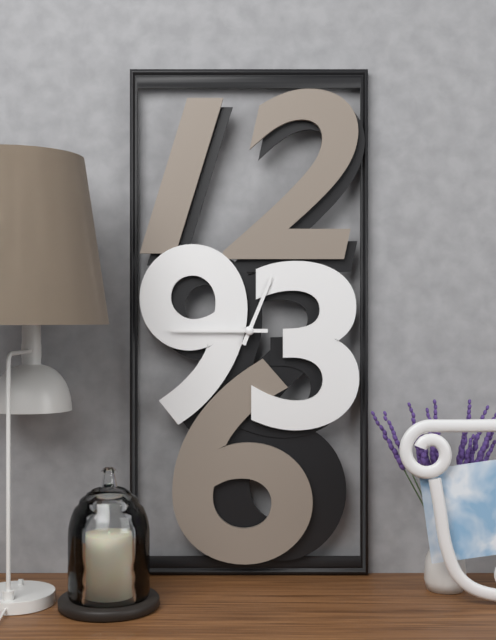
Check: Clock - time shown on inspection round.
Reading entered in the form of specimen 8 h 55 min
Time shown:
12 h 45 min
